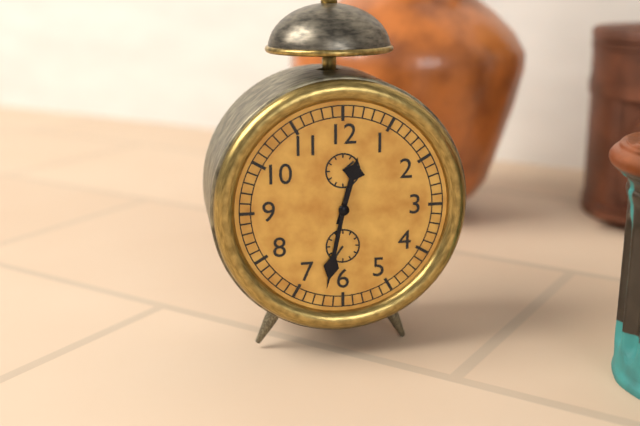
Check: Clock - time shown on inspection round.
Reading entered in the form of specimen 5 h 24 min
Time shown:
12 h 32 min
